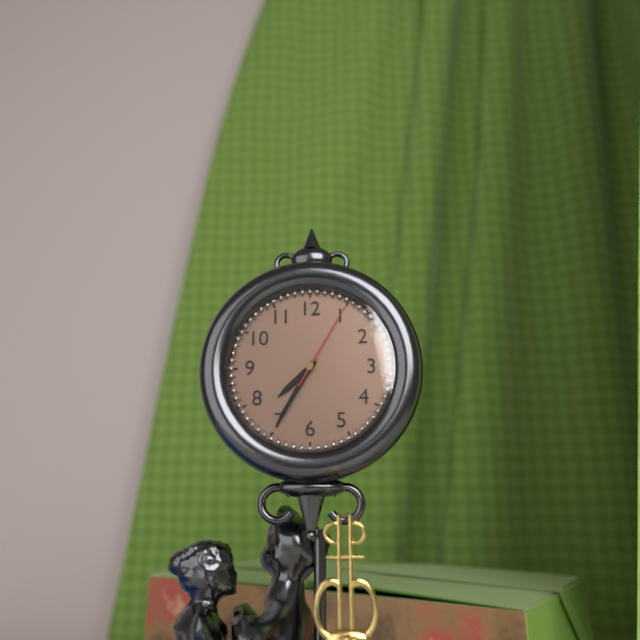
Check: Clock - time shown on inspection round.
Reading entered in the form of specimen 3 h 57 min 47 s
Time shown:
7 h 35 min 05 s
